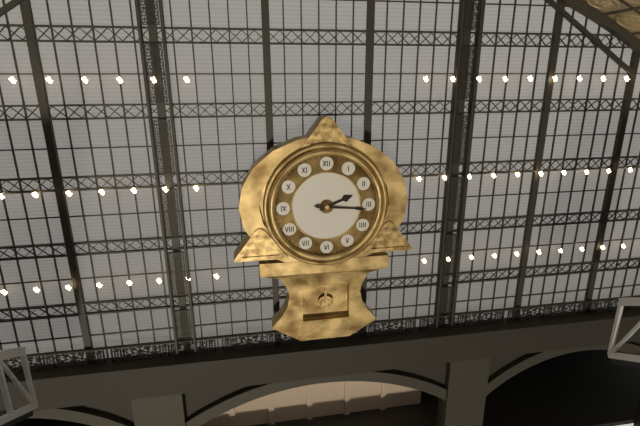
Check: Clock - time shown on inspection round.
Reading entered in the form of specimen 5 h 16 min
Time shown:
2 h 16 min
